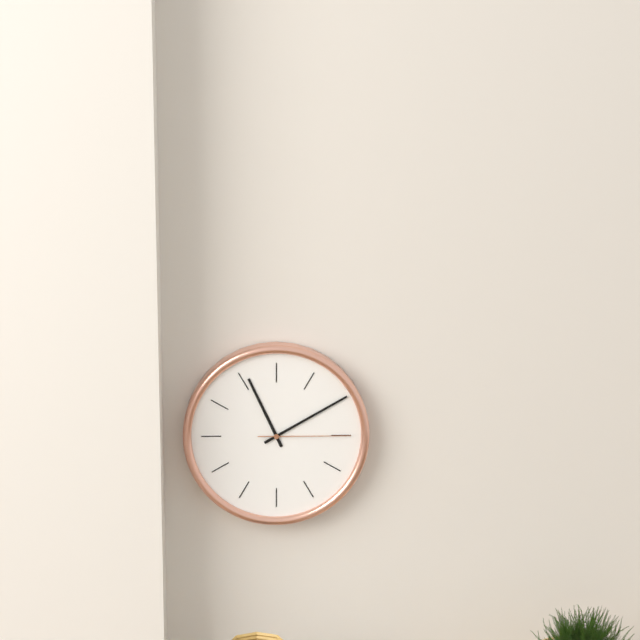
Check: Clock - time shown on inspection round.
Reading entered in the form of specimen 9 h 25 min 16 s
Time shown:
11 h 10 min 15 s
